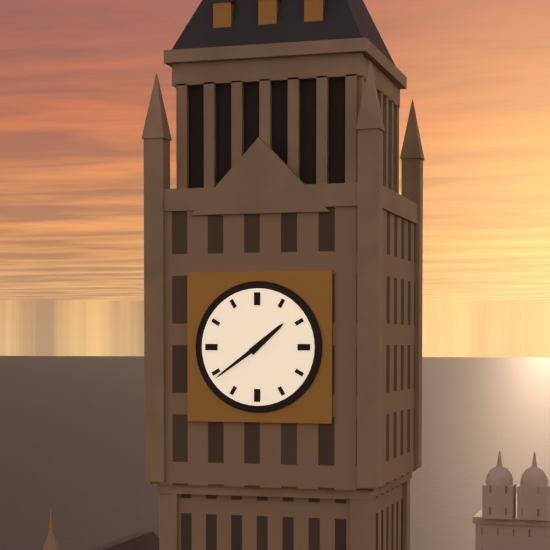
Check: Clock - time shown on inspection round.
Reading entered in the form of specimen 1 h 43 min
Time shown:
1 h 39 min
